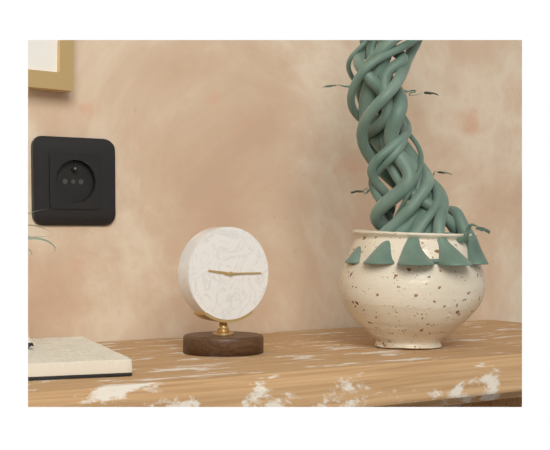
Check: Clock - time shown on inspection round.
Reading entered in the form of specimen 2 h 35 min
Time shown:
9 h 15 min
